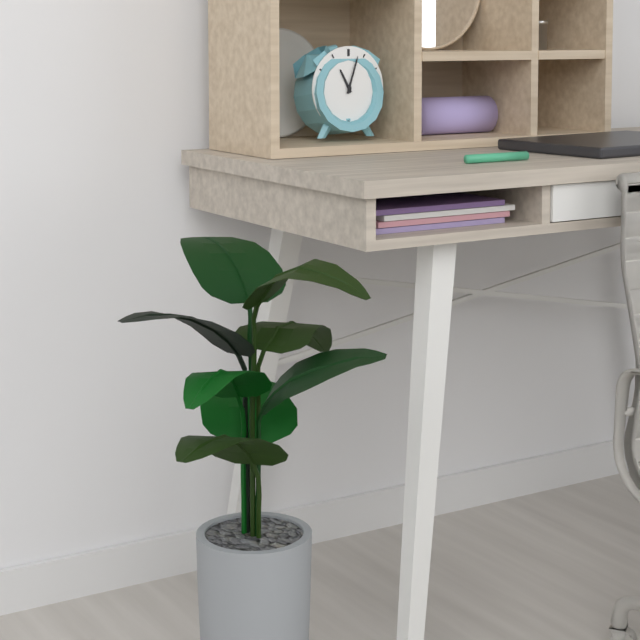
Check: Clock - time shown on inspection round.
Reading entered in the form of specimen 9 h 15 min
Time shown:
11 h 03 min
